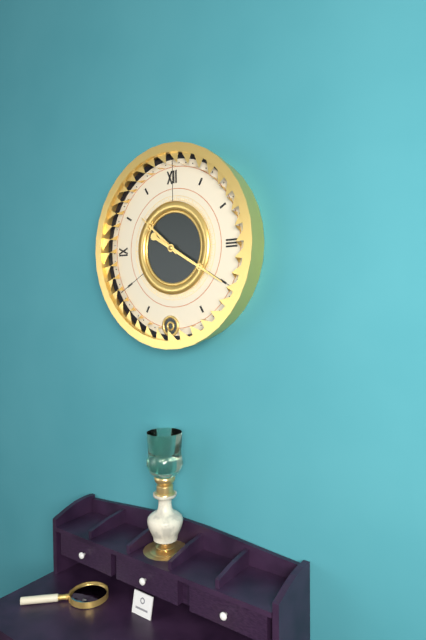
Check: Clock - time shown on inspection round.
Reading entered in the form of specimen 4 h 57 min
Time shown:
10 h 20 min
